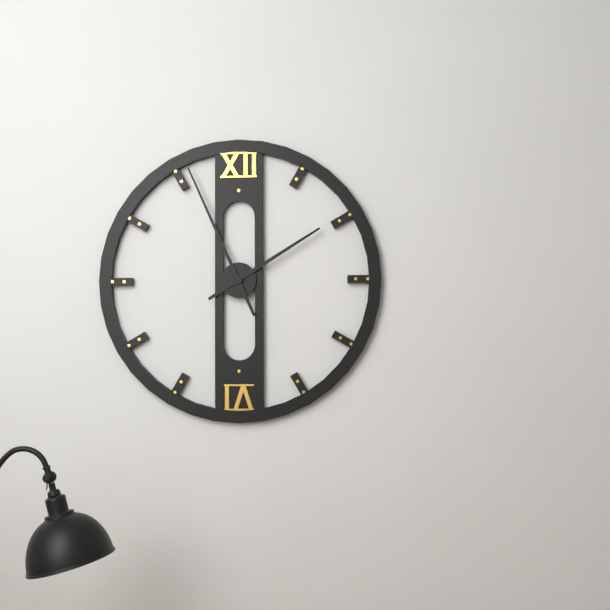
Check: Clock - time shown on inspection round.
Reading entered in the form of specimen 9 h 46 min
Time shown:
1 h 56 min
